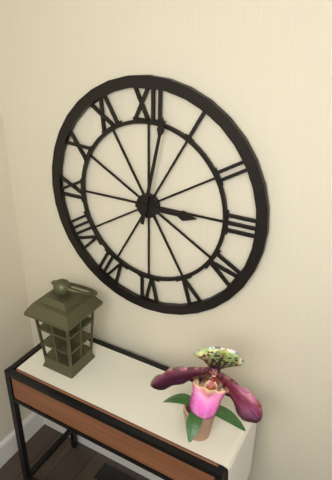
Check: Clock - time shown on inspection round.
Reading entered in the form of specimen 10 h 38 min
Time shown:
3 h 02 min
